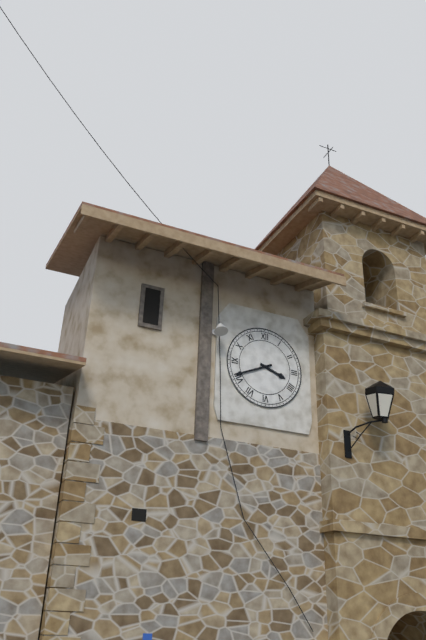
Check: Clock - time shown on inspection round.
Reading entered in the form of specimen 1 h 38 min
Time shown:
3 h 41 min
